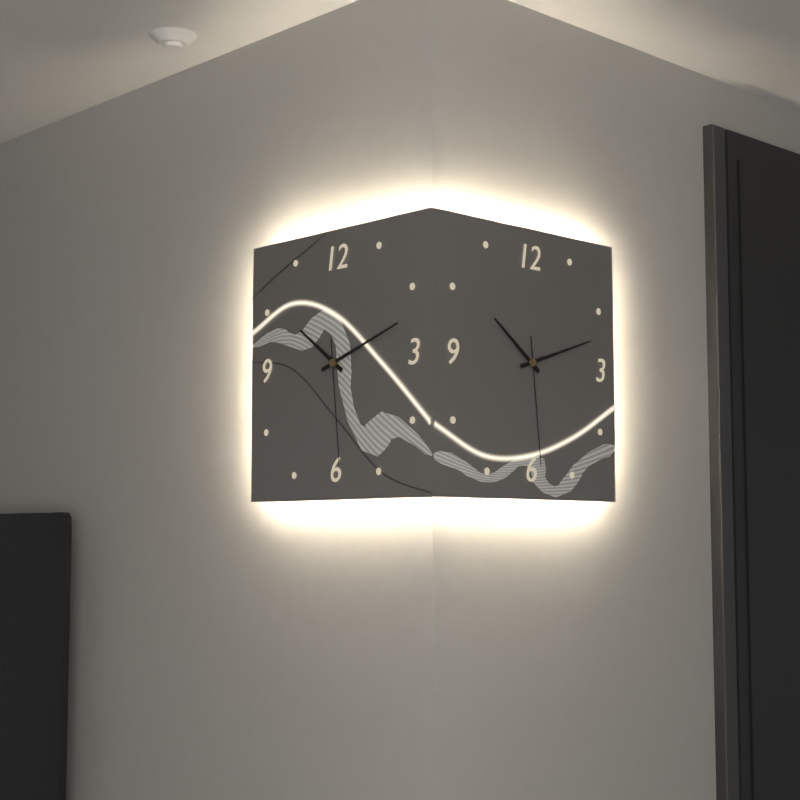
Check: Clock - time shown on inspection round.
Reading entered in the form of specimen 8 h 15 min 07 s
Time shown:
10 h 12 min 29 s
